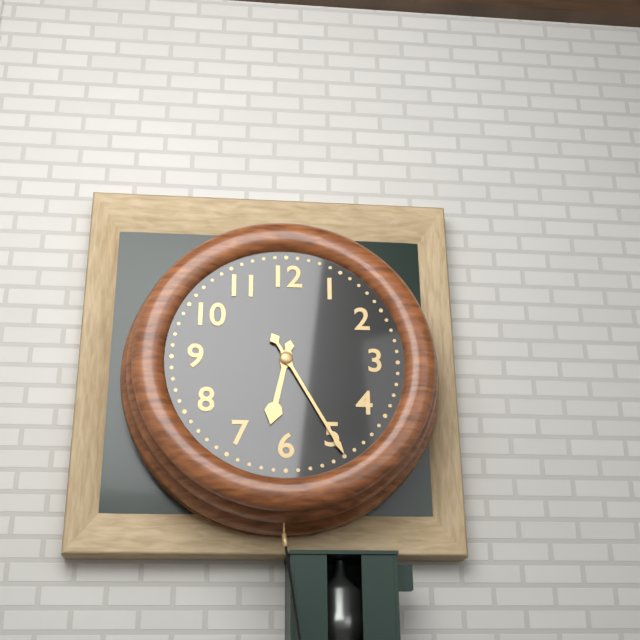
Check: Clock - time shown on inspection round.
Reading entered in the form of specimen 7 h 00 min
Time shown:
6 h 25 min
